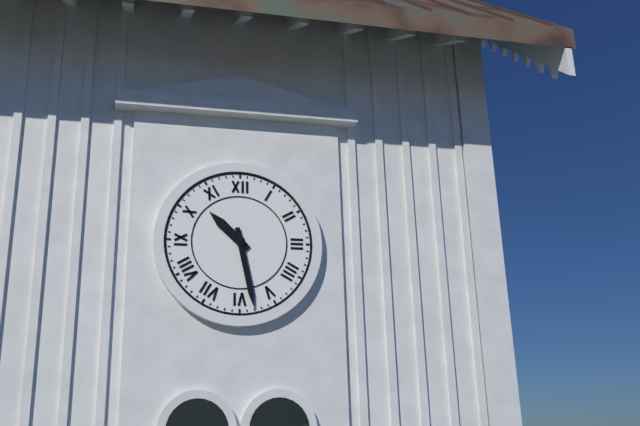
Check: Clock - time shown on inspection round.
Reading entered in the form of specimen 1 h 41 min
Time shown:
10 h 28 min
